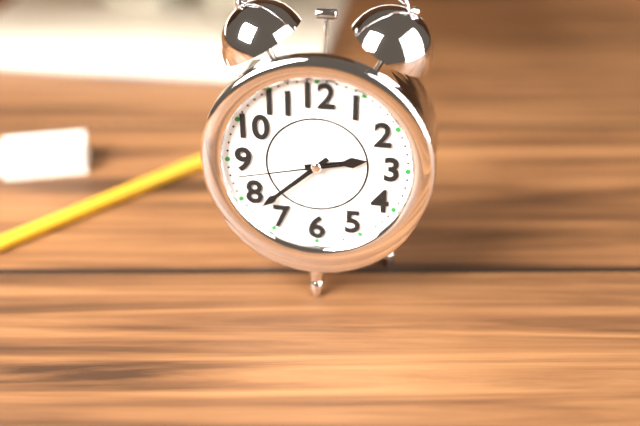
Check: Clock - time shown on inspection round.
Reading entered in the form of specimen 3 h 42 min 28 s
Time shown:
2 h 38 min 43 s
